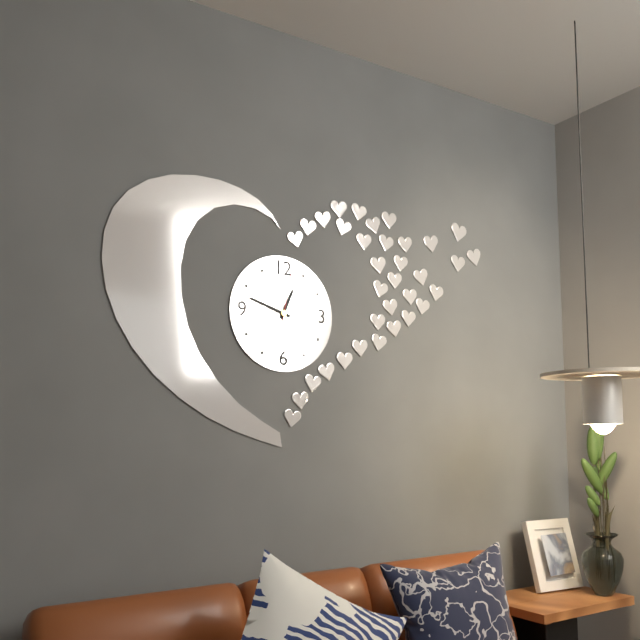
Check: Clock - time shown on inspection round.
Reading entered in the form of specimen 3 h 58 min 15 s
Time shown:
12 h 48 min 02 s
